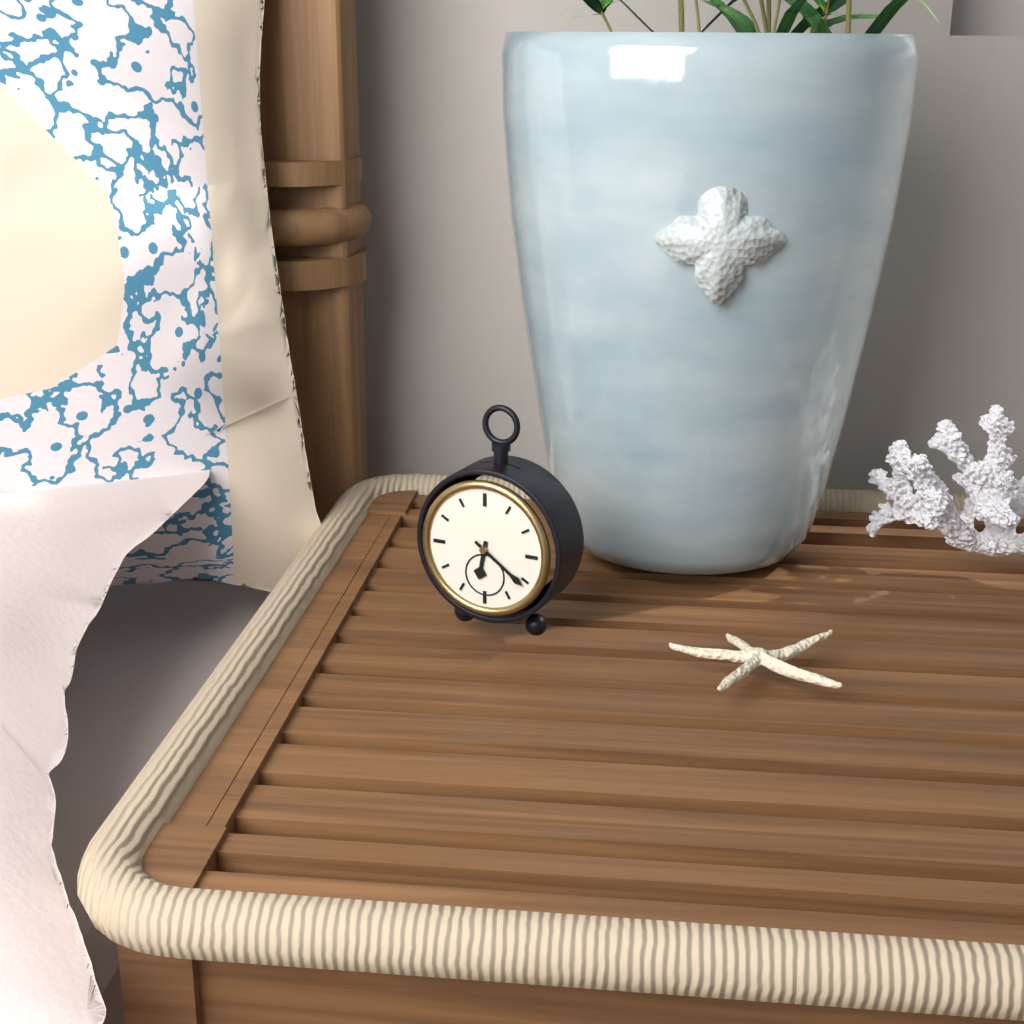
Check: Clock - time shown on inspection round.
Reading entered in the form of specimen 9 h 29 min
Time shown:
6 h 21 min
